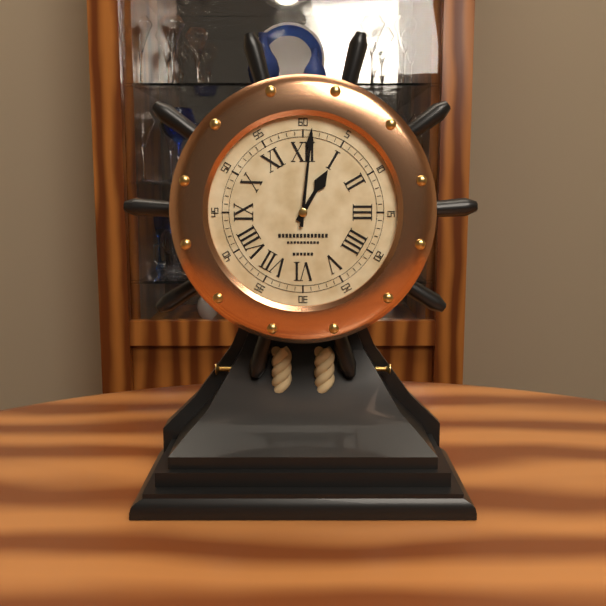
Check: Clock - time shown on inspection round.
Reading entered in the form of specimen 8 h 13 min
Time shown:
1 h 01 min
